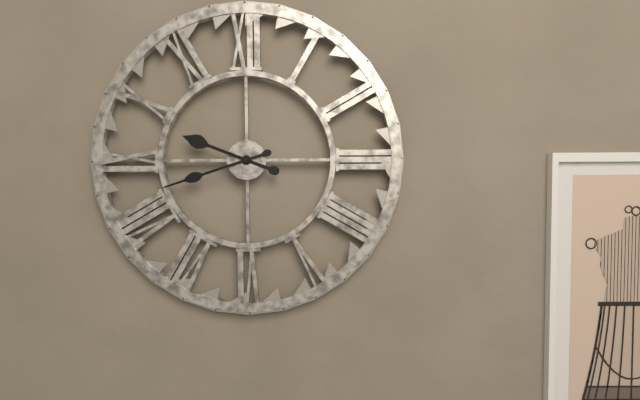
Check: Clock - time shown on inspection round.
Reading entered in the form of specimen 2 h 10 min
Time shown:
9 h 42 min
